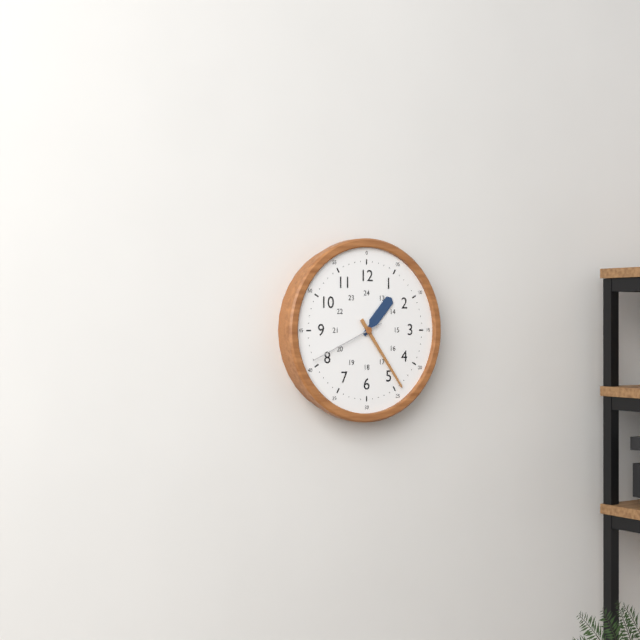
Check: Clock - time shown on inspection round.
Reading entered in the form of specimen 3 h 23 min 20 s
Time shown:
1 h 24 min 41 s
